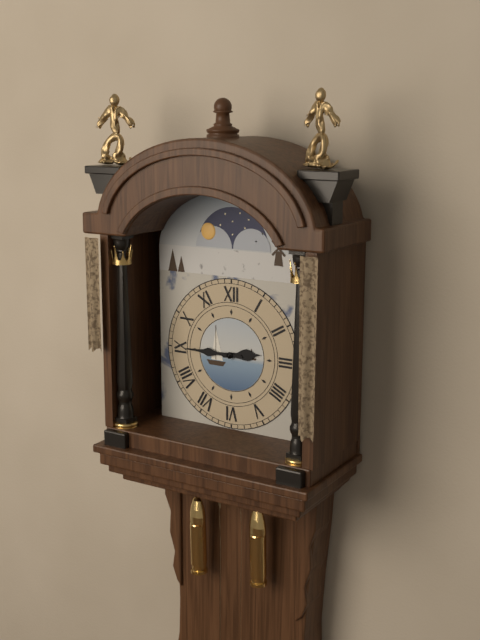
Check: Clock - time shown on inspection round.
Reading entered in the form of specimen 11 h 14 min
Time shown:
2 h 45 min
